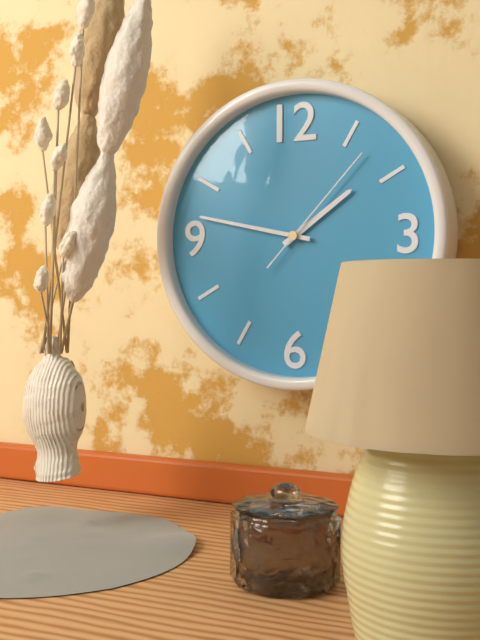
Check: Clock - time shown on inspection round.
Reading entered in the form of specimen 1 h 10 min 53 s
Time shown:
1 h 47 min 07 s
